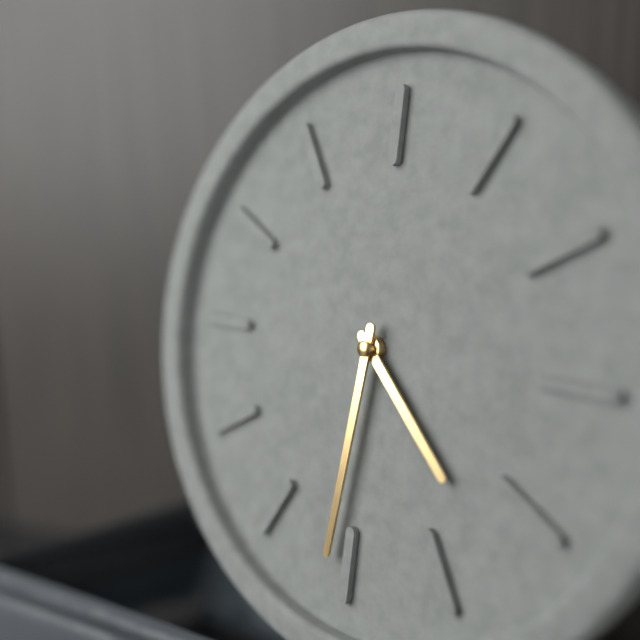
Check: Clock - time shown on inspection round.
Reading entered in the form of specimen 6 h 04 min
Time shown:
4 h 31 min
